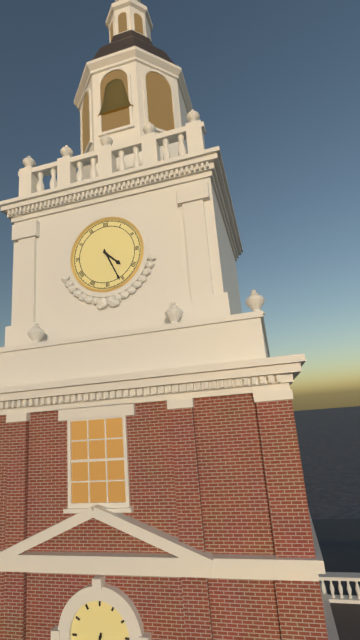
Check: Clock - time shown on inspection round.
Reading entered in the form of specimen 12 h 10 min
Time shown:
4 h 26 min
